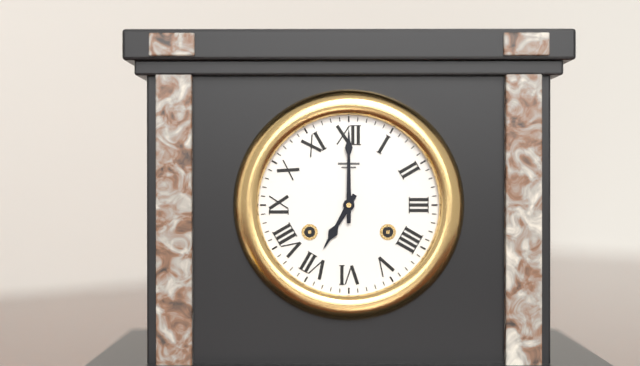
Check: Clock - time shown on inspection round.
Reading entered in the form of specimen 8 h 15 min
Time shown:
7 h 00 min
